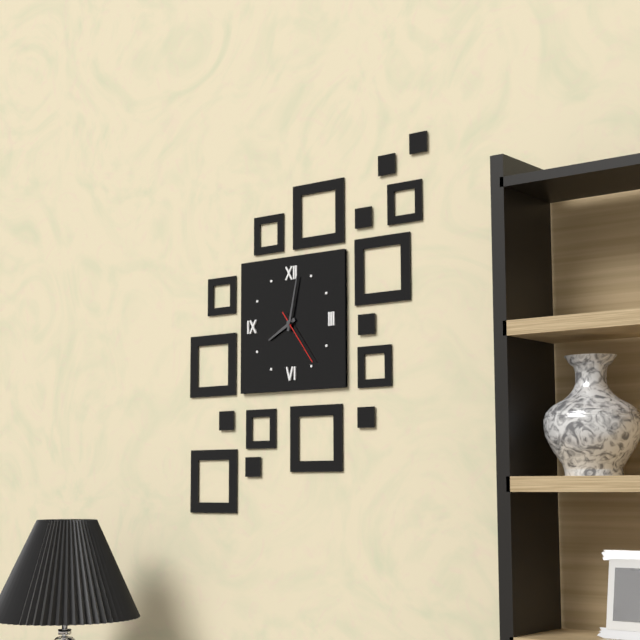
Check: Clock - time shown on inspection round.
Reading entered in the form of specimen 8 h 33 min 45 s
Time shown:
8 h 02 min 24 s
